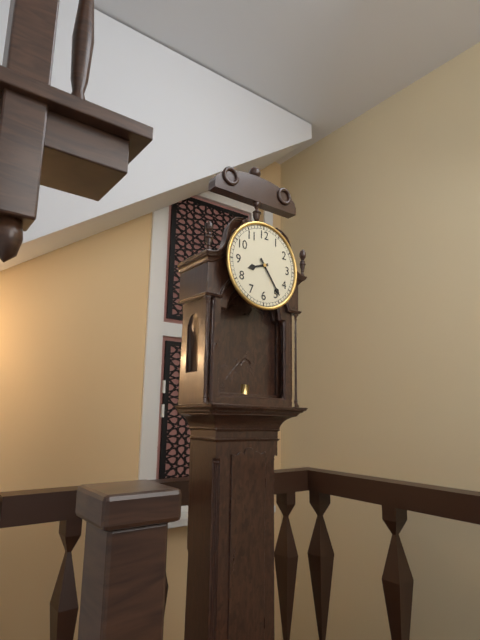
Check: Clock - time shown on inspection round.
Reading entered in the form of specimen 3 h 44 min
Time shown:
8 h 24 min
